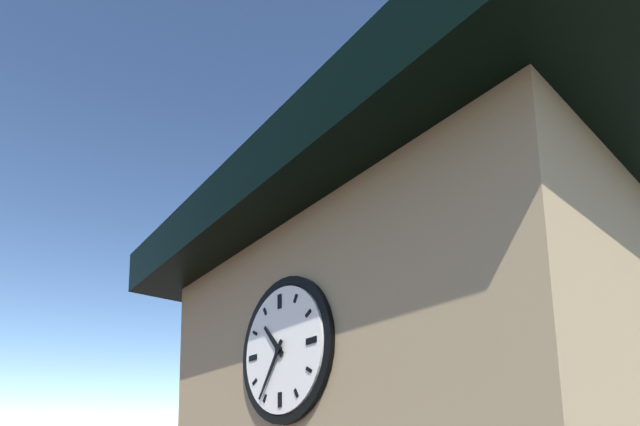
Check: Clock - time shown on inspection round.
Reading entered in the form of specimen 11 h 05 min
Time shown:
10 h 36 min
